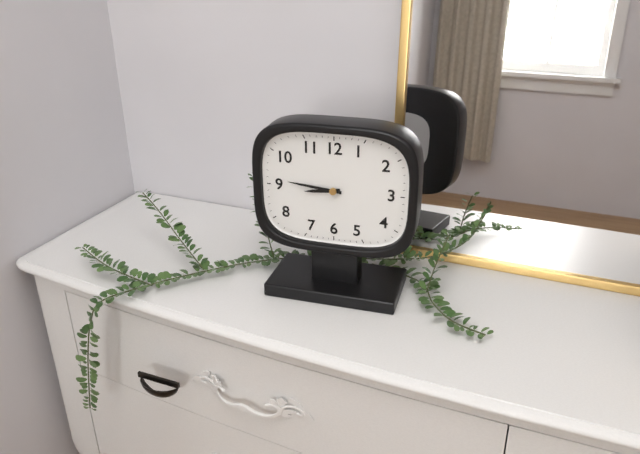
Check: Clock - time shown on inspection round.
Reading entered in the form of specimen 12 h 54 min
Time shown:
8 h 46 min
